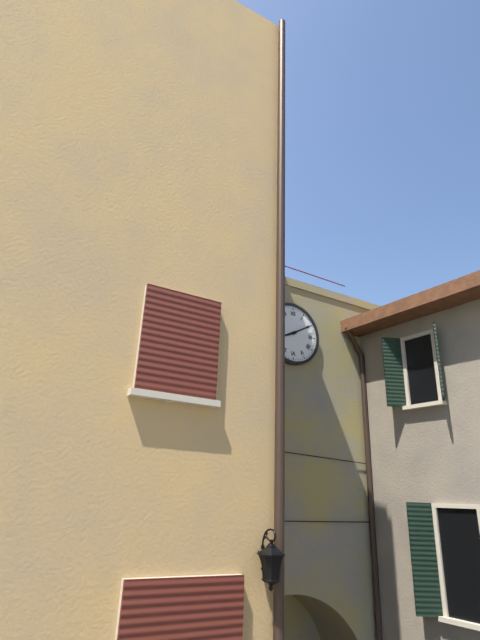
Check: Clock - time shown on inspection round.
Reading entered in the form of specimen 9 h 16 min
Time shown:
8 h 10 min
